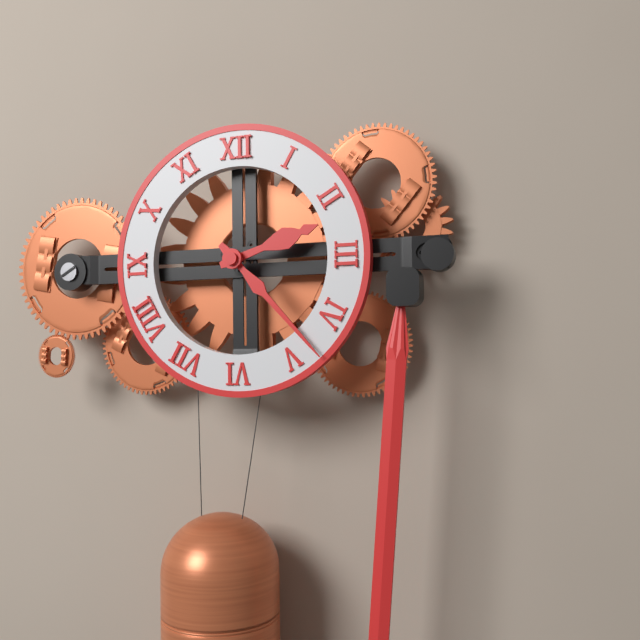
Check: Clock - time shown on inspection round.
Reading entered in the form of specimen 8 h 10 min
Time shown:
2 h 23 min
